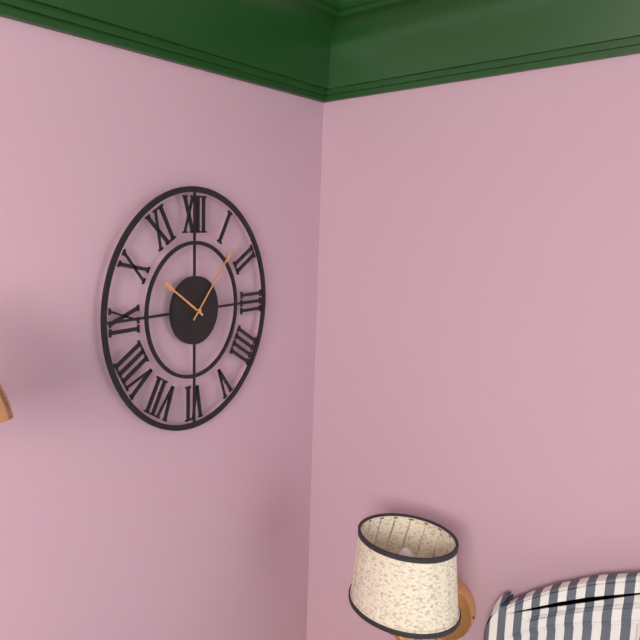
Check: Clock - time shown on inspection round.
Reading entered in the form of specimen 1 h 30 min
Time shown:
10 h 07 min
